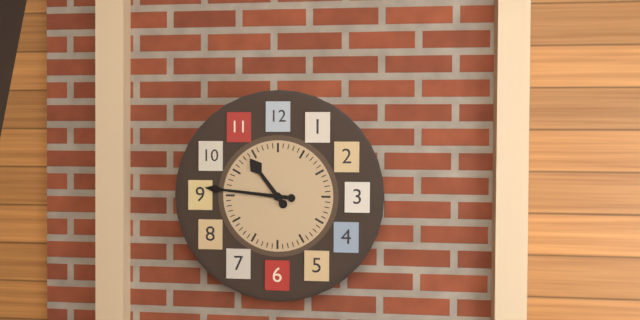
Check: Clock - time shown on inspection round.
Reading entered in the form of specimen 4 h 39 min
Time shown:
10 h 46 min
